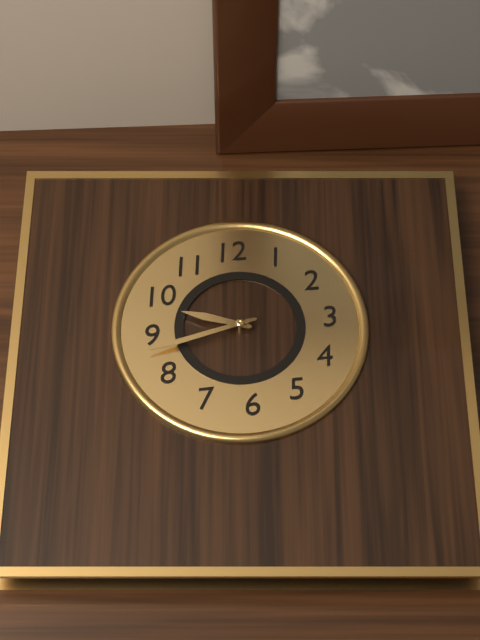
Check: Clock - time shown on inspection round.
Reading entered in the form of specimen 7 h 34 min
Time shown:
9 h 43 min
